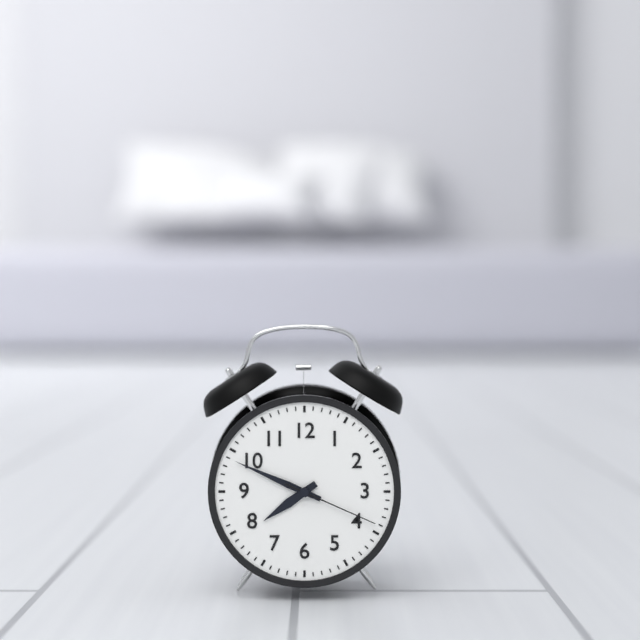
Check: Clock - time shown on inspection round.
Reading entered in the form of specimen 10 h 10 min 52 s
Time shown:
7 h 49 min 19 s
